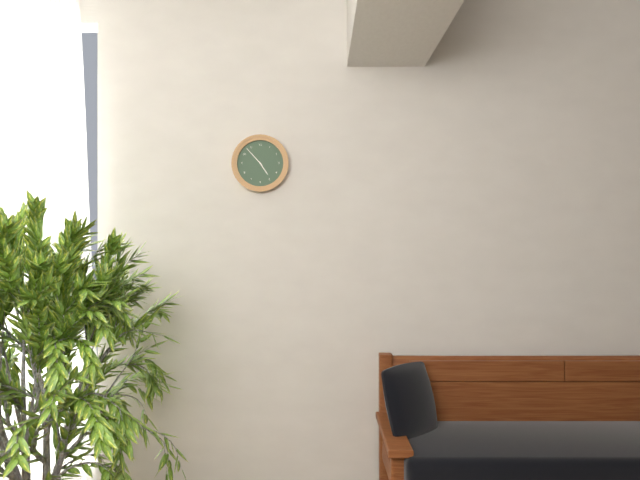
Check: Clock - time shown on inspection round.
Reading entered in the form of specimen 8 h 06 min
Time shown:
4 h 53 min
